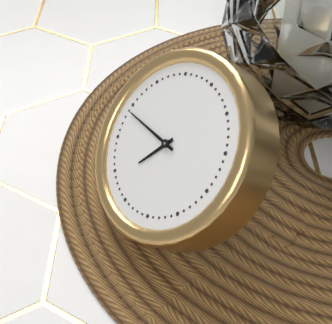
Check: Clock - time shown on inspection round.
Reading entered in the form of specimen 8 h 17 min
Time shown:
6 h 44 min
